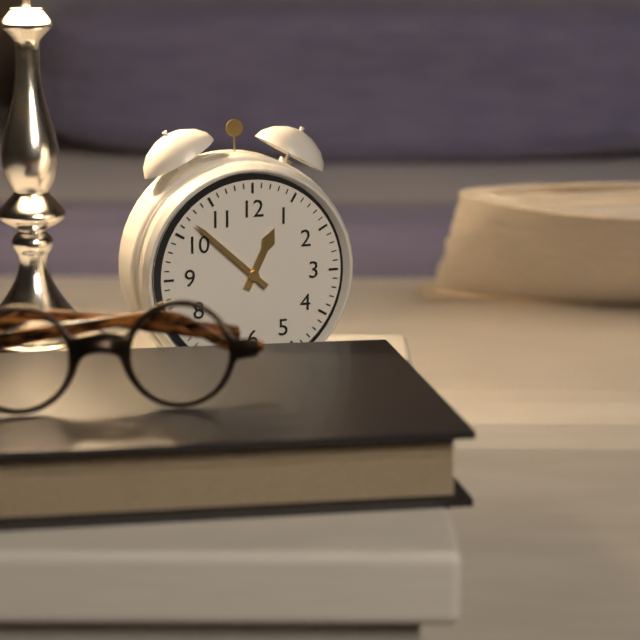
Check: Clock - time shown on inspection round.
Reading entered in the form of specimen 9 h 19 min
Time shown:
12 h 52 min
